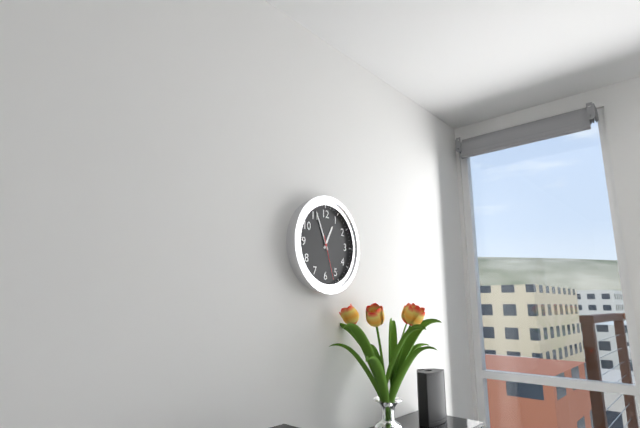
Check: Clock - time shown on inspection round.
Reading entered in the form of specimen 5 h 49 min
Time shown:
12 h 56 min
